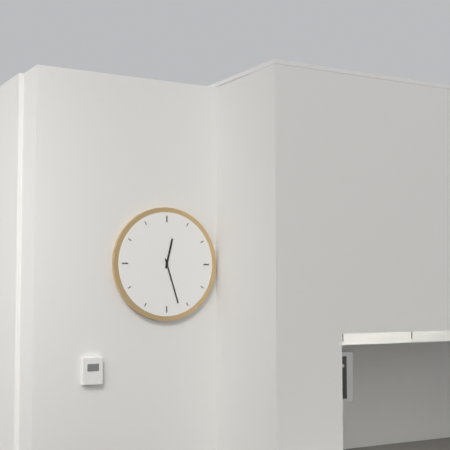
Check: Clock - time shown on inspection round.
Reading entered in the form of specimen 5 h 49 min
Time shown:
12 h 27 min
